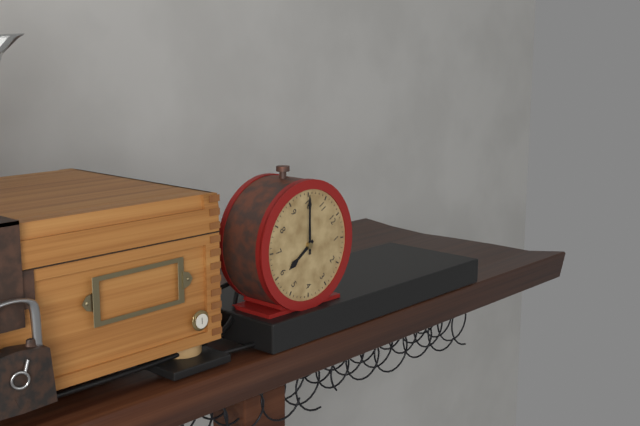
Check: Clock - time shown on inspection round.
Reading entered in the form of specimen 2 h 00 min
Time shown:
5 h 50 min
